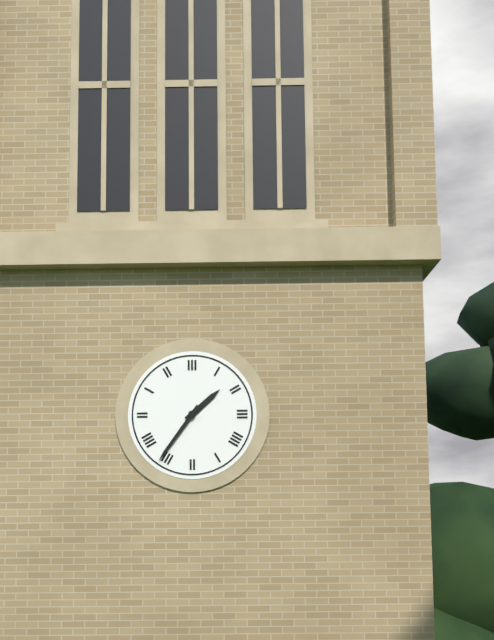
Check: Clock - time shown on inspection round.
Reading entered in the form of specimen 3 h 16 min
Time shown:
1 h 36 min
